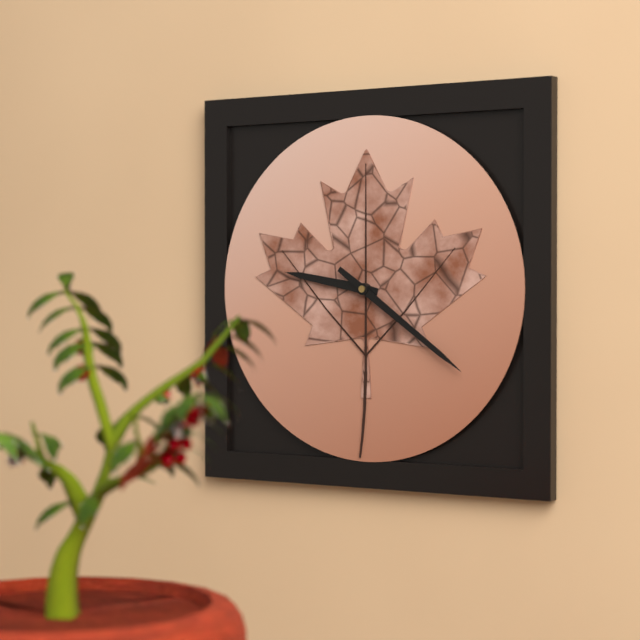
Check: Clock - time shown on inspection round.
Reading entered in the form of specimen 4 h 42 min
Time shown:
9 h 21 min
